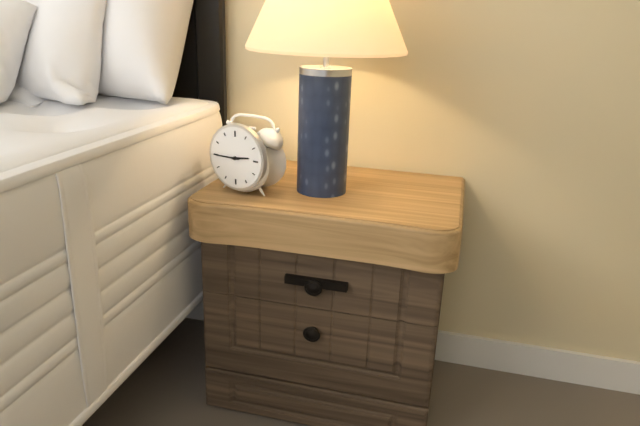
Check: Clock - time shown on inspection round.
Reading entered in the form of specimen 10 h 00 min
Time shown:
2 h 45 min
